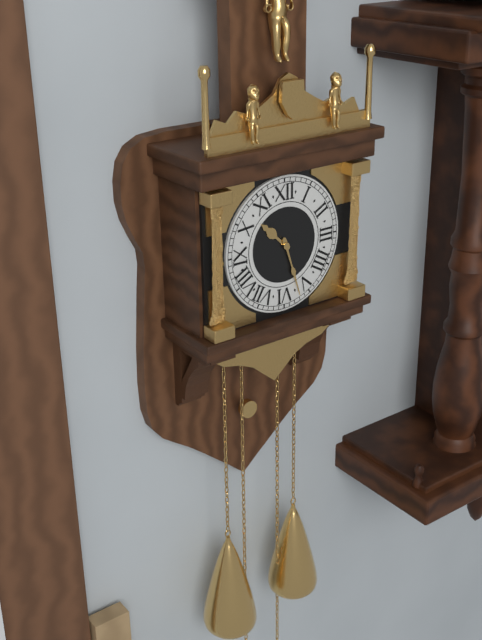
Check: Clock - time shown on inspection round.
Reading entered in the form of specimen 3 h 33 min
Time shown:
10 h 27 min
